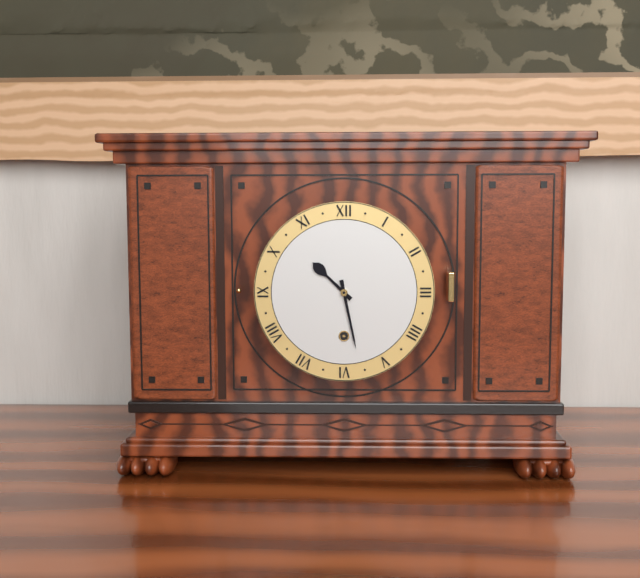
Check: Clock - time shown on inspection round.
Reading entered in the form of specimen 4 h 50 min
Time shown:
10 h 28 min
